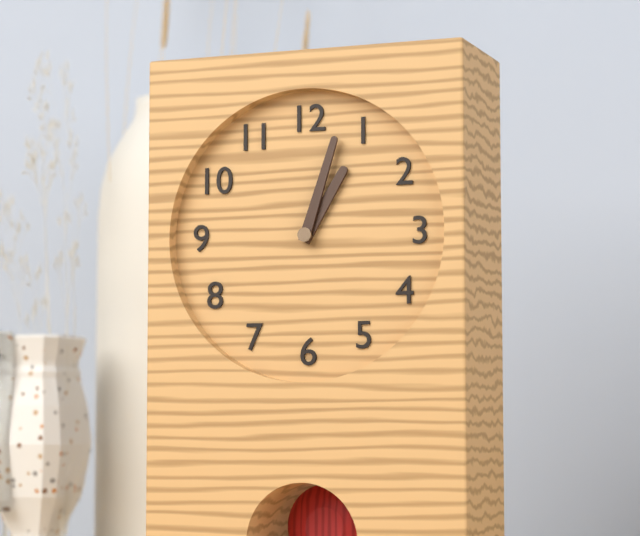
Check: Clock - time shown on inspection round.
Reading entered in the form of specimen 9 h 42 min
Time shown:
1 h 03 min
